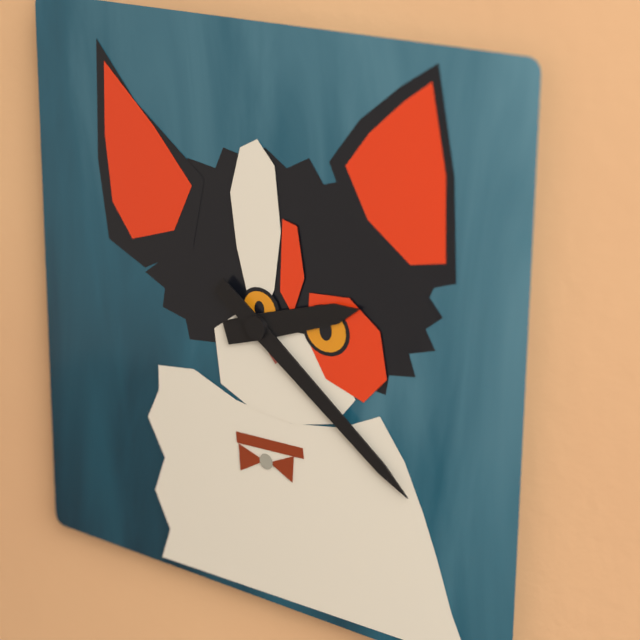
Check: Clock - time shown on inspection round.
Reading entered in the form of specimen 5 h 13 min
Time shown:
2 h 21 min
